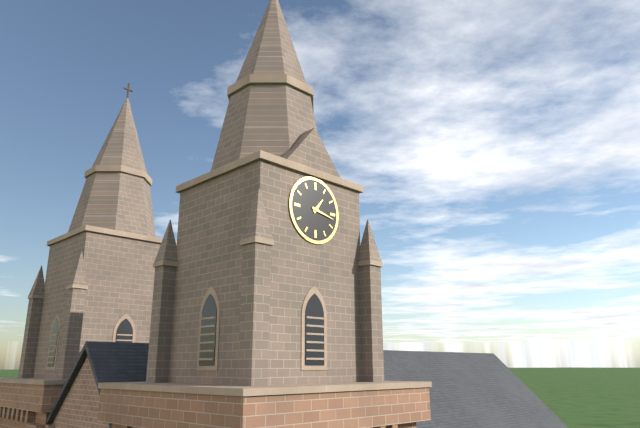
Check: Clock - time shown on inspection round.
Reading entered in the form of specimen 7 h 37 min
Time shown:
1 h 17 min
